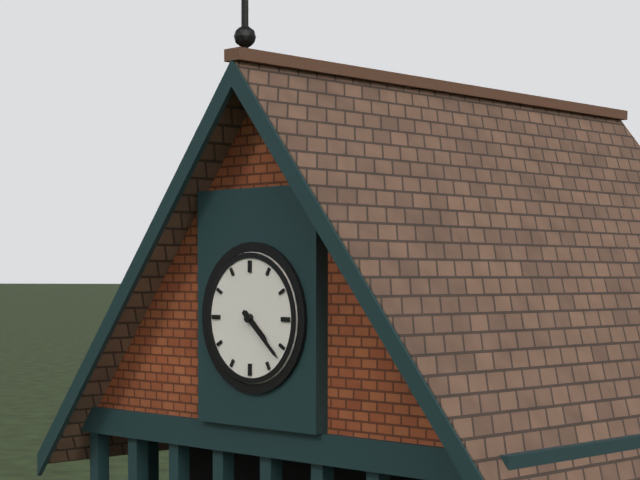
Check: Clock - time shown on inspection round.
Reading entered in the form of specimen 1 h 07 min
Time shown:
4 h 22 min
